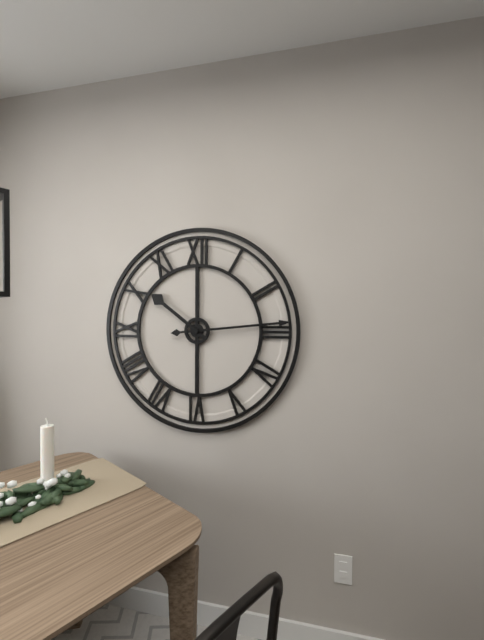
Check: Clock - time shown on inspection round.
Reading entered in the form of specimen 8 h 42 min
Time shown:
10 h 14 min
